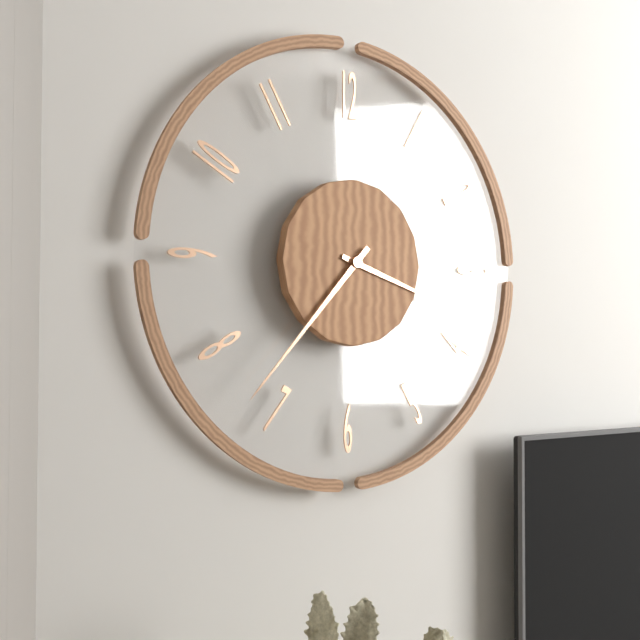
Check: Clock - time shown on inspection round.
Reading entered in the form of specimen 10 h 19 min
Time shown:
3 h 37 min
